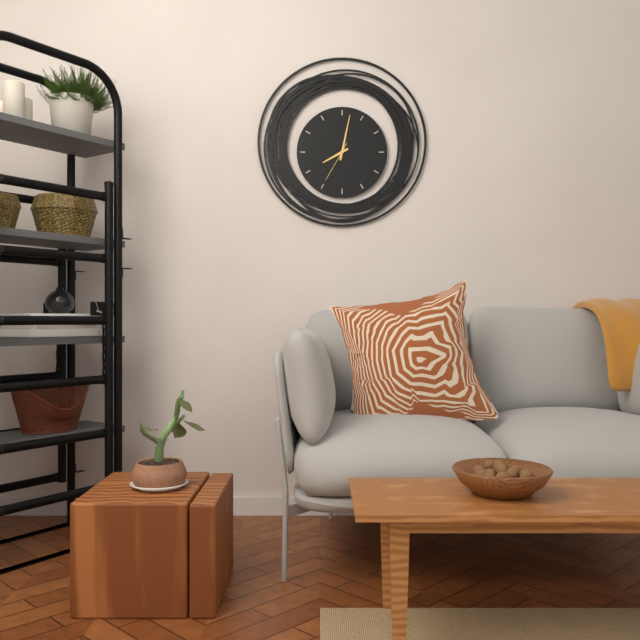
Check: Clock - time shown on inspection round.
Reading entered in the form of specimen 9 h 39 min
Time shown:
8 h 02 min
